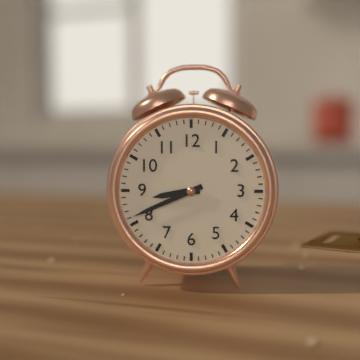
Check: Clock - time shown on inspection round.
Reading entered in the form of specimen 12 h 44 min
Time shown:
8 h 41 min
